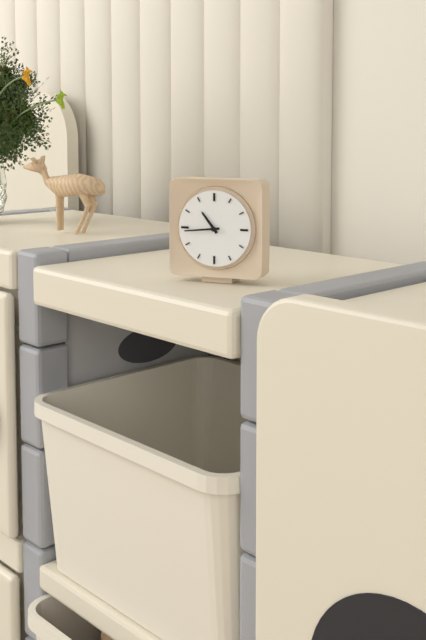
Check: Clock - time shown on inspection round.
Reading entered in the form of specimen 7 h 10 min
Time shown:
10 h 44 min
